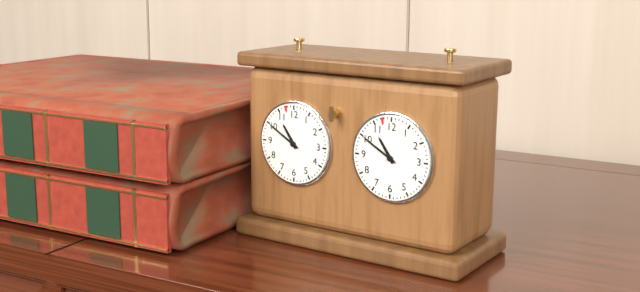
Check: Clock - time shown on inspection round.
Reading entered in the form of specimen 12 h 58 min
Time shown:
10 h 50 min
